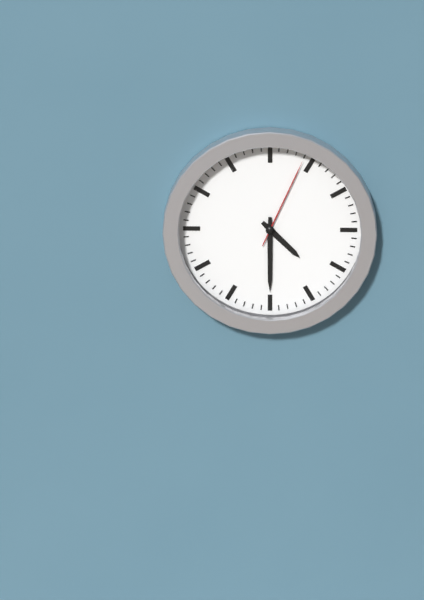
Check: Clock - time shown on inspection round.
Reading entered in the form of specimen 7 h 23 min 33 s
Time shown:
4 h 30 min 04 s
